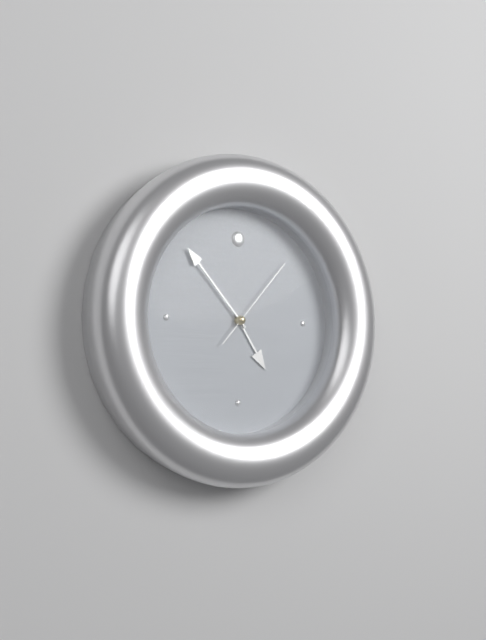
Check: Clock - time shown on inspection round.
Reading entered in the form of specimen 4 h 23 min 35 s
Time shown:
4 h 53 min 07 s
